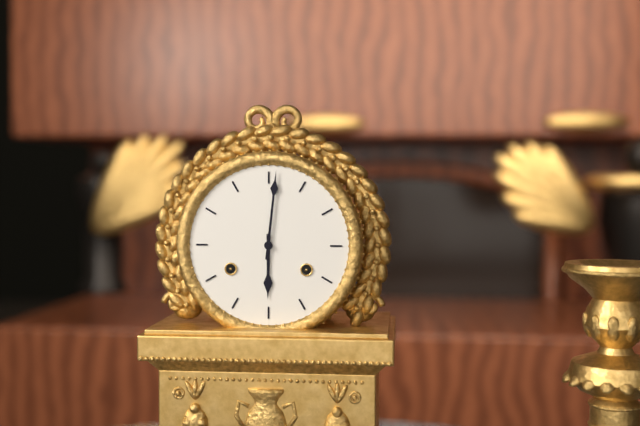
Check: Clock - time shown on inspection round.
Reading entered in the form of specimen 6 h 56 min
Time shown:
6 h 01 min
